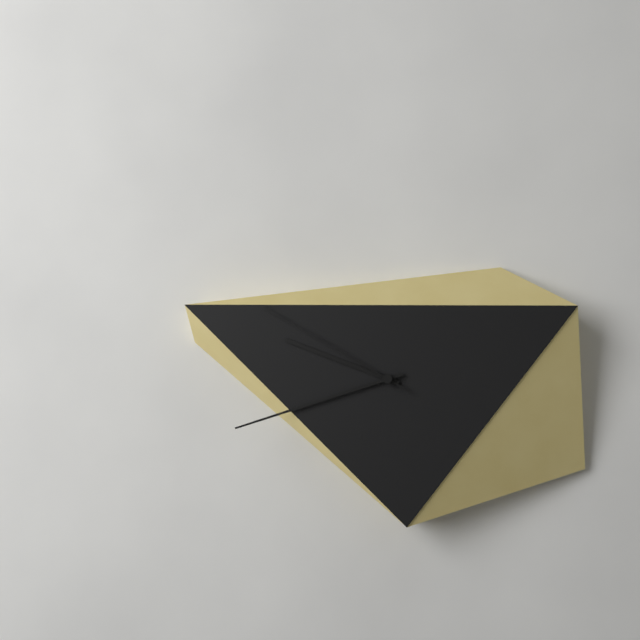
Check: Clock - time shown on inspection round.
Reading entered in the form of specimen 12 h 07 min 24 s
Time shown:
9 h 42 min 50 s
